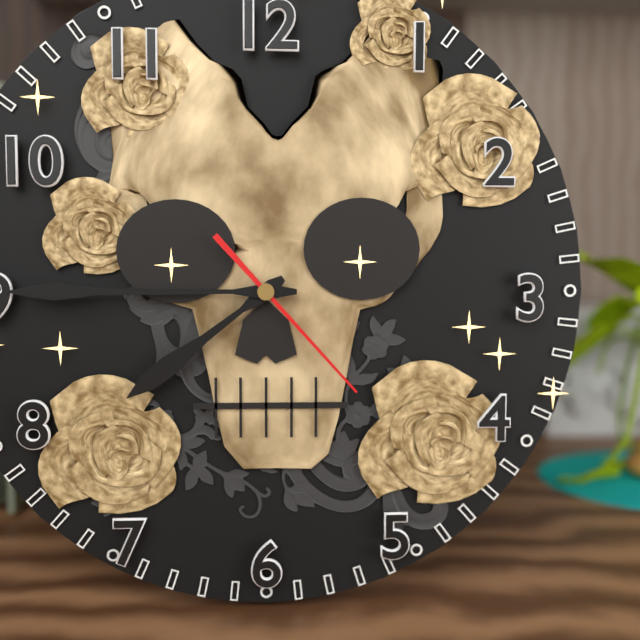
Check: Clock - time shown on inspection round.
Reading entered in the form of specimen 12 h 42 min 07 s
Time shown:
7 h 45 min 23 s
